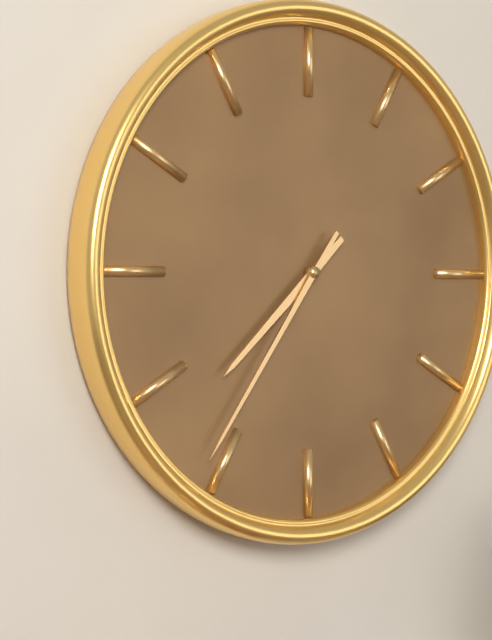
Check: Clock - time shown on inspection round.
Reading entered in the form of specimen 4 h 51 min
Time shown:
7 h 36 min
